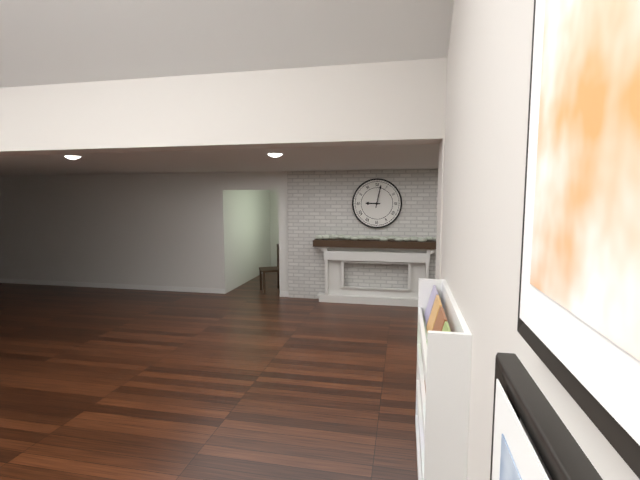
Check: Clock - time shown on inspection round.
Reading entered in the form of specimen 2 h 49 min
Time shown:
9 h 02 min
